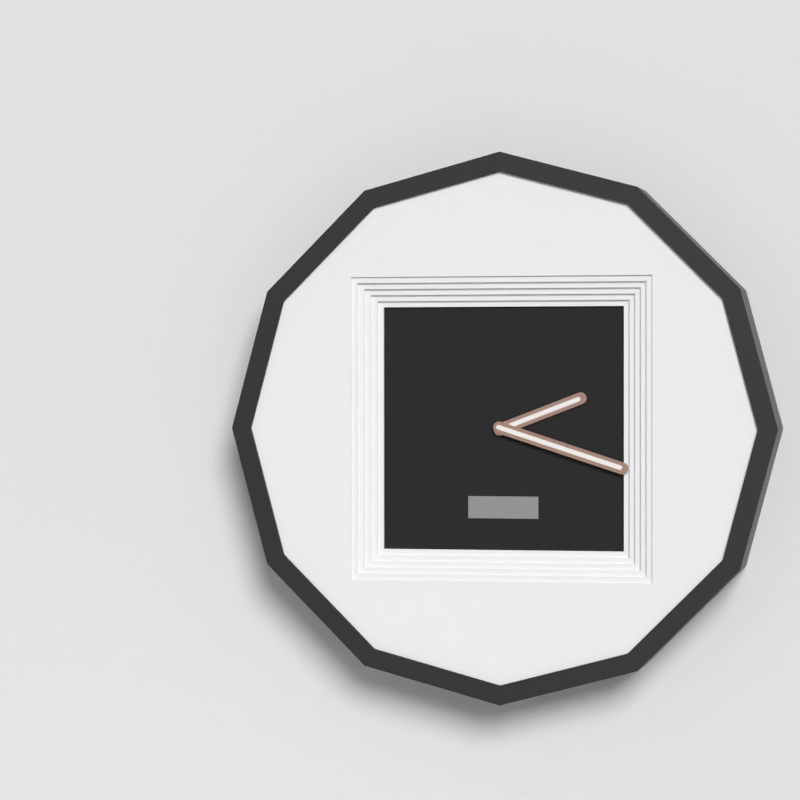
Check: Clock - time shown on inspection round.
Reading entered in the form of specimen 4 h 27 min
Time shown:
2 h 18 min
